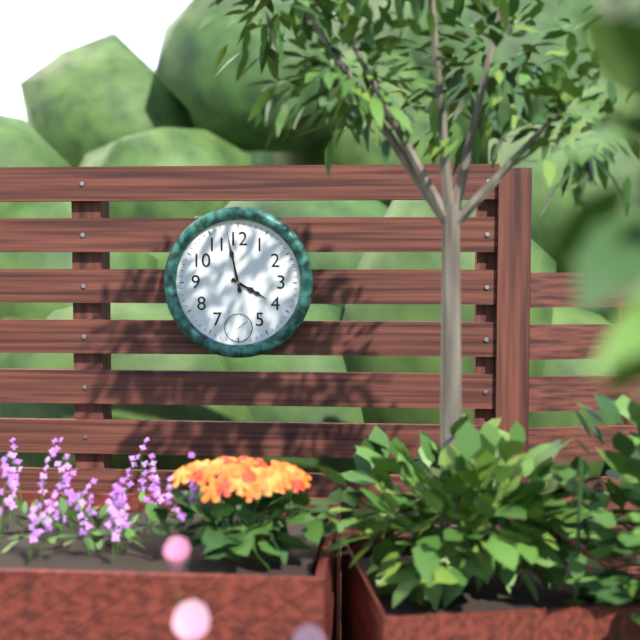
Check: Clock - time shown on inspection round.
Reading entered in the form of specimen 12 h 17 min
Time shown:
3 h 58 min
